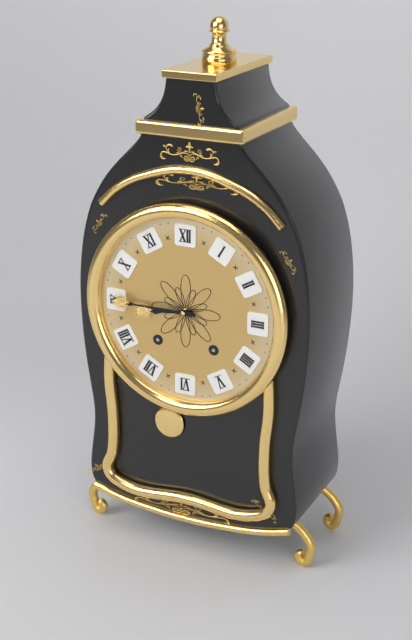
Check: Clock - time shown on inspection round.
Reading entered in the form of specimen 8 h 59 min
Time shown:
8 h 45 min
